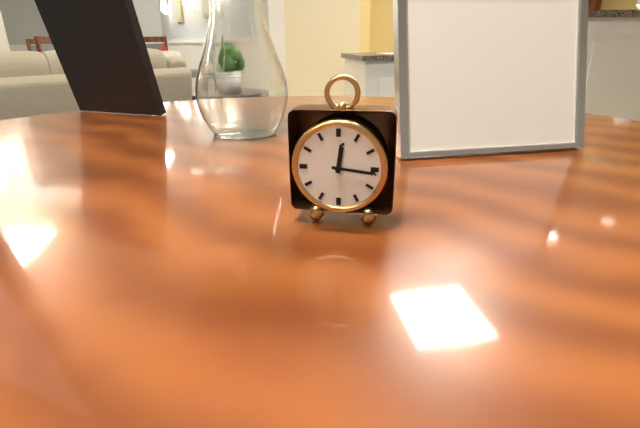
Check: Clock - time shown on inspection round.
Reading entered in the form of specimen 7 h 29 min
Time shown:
12 h 16 min
